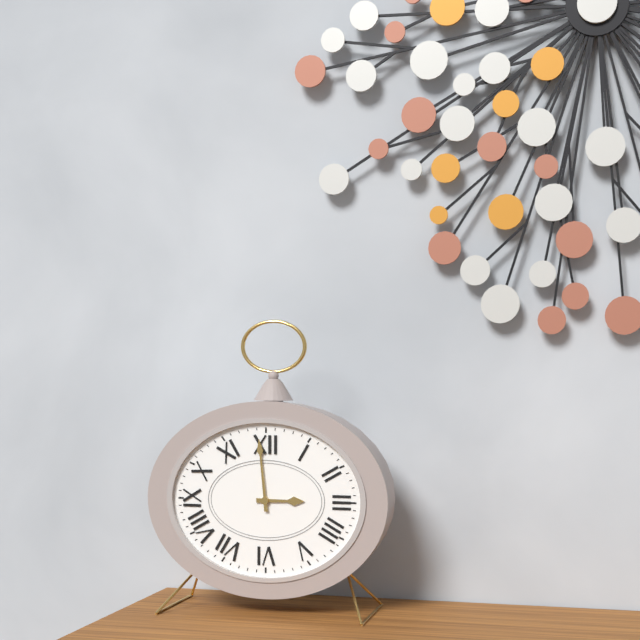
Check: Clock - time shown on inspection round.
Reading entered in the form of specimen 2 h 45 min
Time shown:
2 h 59 min
